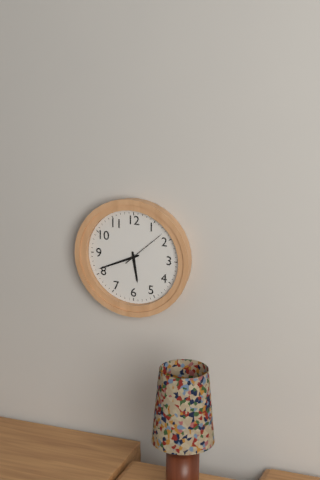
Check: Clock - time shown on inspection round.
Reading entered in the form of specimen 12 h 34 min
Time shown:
5 h 41 min
